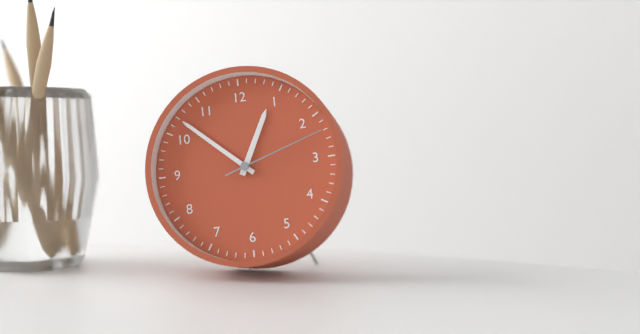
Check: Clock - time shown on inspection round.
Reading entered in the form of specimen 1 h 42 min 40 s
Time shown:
12 h 52 min 12 s
